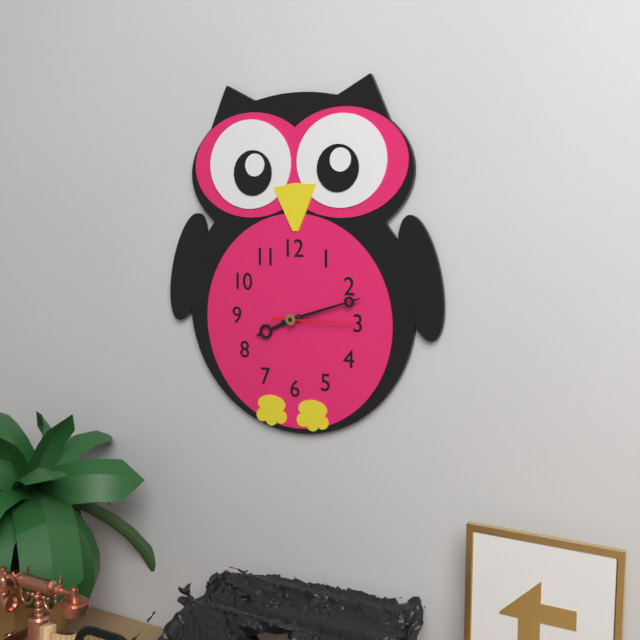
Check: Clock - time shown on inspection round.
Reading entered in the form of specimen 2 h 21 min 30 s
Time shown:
8 h 12 min 15 s
